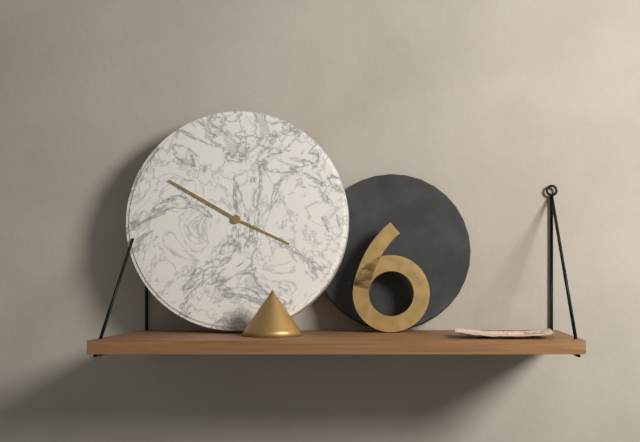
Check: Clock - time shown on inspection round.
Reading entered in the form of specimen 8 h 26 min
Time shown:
3 h 50 min
